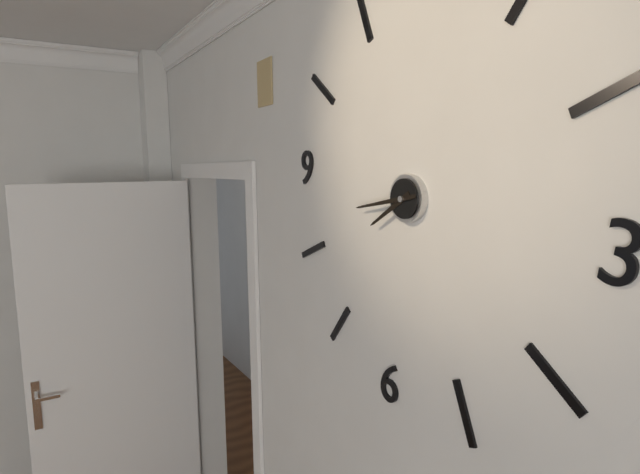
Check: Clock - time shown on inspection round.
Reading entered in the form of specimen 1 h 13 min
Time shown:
7 h 42 min
